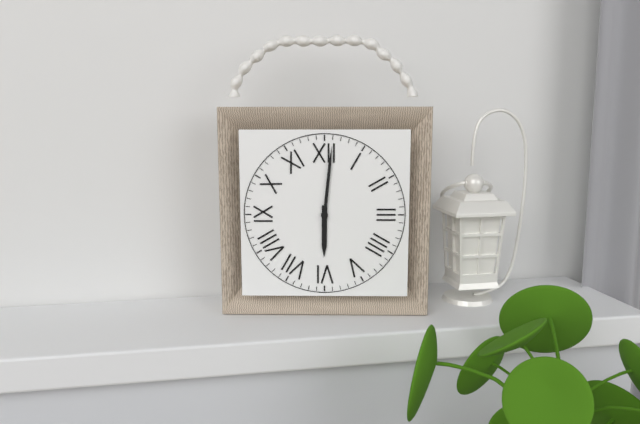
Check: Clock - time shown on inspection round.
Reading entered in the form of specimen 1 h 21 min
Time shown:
6 h 01 min
